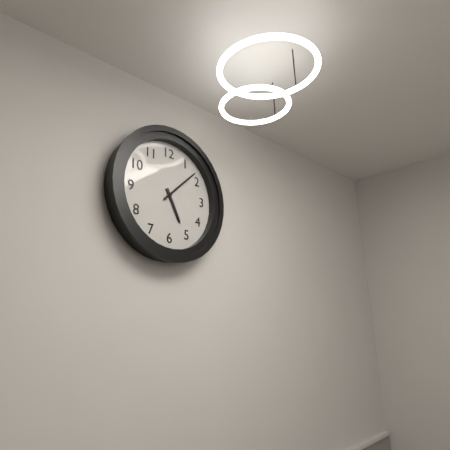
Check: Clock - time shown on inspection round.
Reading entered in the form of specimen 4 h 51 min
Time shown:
5 h 08 min
